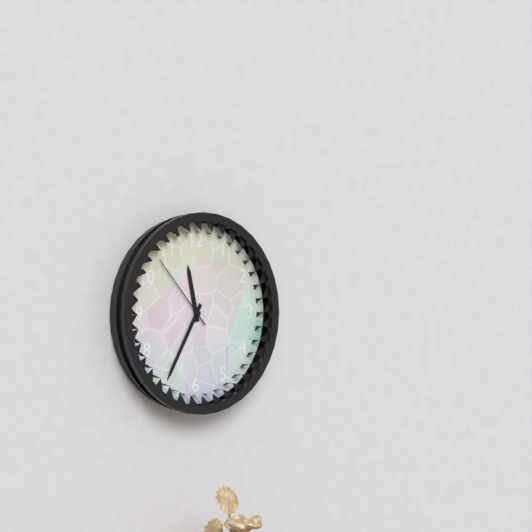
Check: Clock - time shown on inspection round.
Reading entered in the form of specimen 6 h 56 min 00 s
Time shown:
11 h 35 min 53 s
